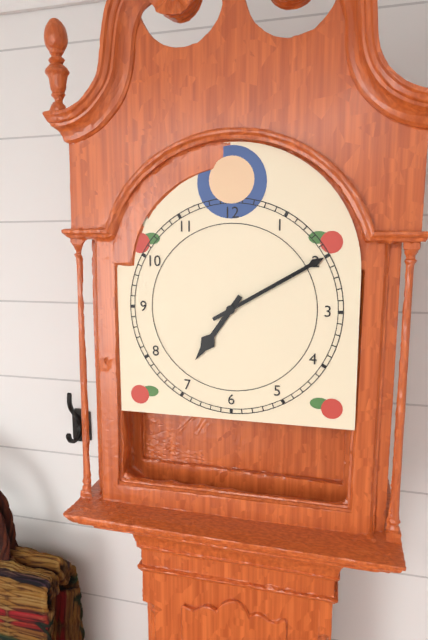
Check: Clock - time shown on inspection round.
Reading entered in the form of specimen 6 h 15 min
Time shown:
7 h 10 min
